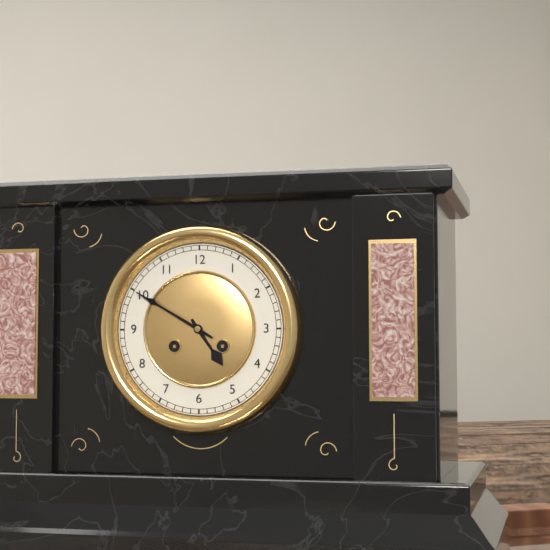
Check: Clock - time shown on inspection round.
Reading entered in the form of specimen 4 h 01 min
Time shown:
4 h 50 min
